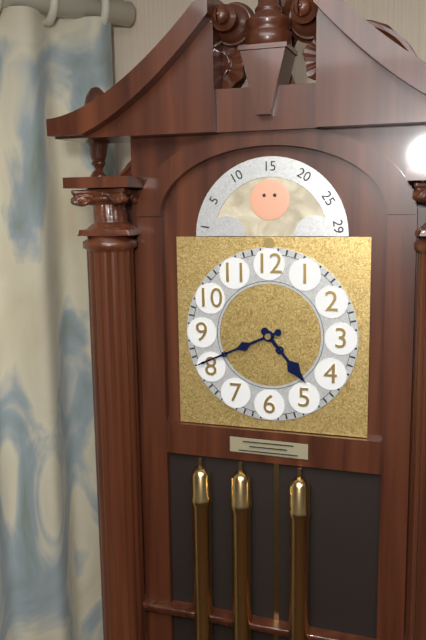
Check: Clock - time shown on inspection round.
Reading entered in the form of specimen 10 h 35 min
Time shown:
4 h 41 min
